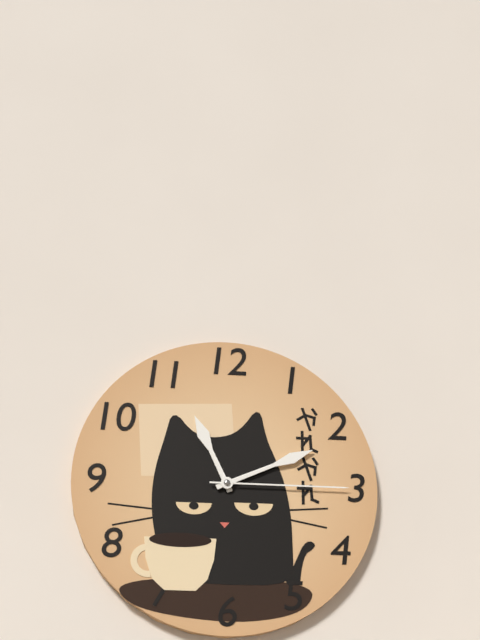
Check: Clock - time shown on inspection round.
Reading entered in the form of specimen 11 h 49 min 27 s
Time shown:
11 h 11 min 15 s
